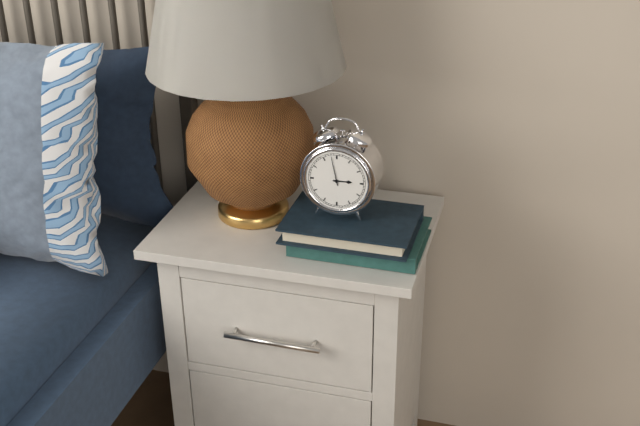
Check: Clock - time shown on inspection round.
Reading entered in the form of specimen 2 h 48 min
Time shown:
2 h 58 min
